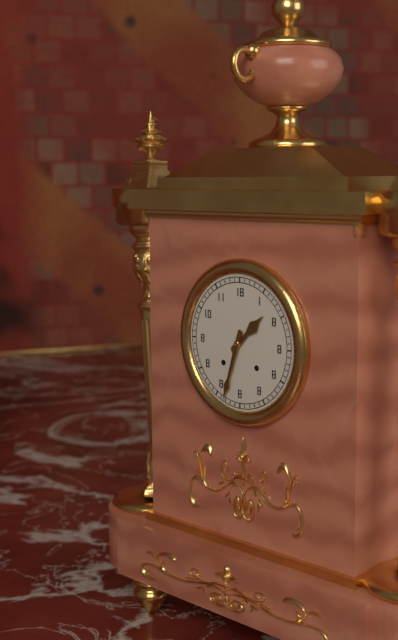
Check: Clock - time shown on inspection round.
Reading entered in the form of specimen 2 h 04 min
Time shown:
1 h 33 min
